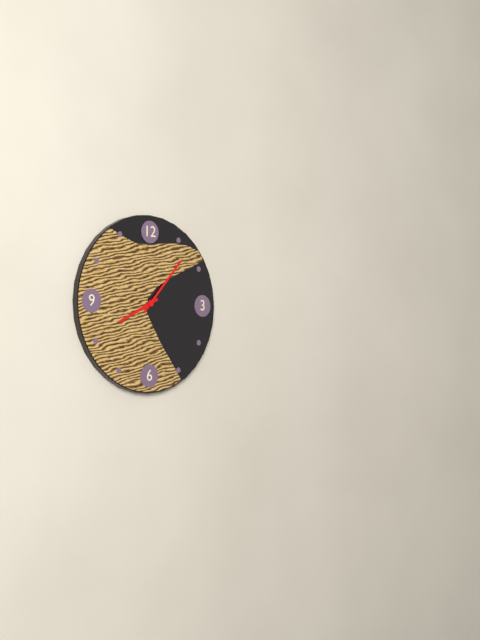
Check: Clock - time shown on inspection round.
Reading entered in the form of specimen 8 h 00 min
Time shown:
8 h 07 min
